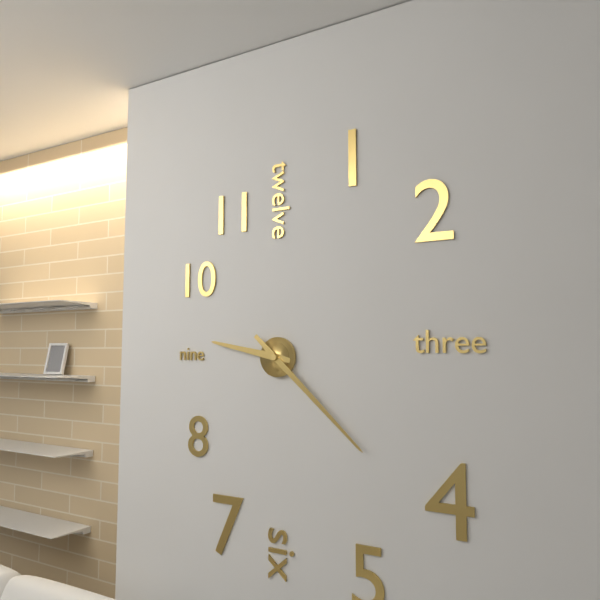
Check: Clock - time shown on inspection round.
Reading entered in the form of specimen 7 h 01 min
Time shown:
9 h 22 min
